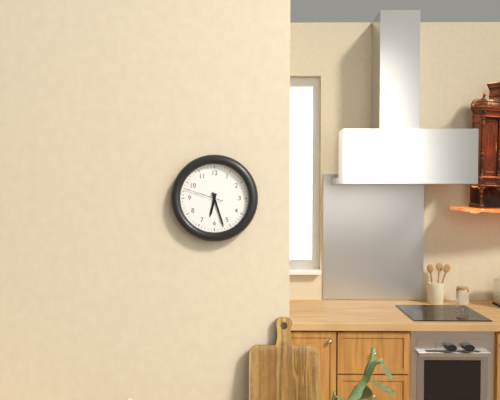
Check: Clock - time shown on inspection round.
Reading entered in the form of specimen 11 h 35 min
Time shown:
6 h 27 min
